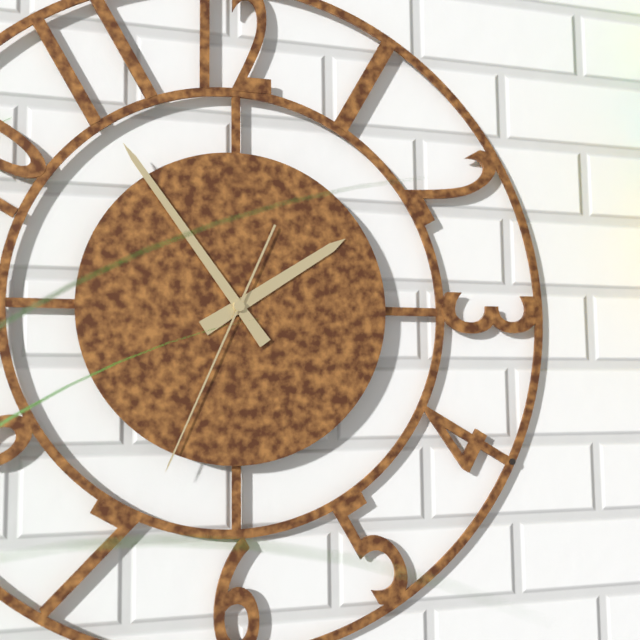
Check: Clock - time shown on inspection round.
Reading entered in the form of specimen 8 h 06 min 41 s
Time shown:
1 h 54 min 34 s
